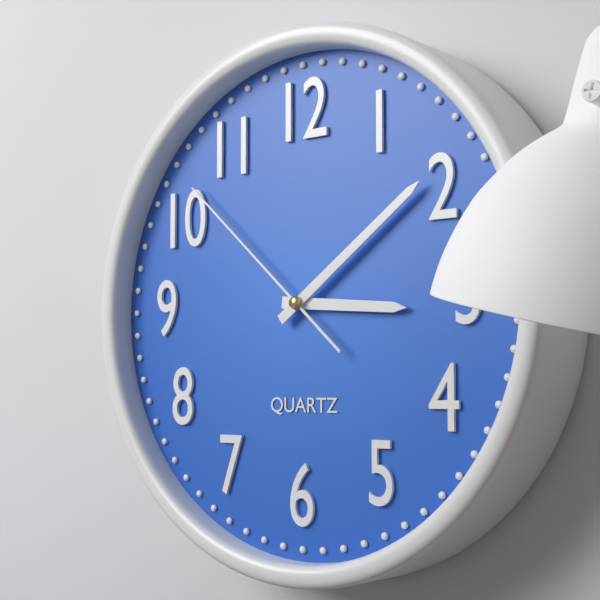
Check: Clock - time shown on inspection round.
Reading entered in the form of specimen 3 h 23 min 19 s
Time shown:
3 h 09 min 52 s
